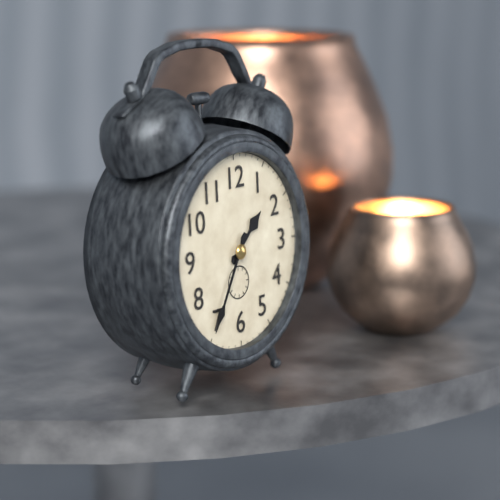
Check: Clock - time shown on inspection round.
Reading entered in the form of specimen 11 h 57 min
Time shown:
1 h 35 min
